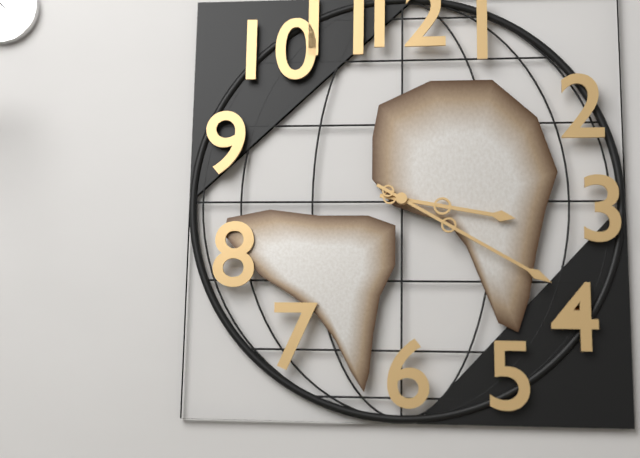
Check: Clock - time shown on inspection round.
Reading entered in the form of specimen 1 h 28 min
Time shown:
3 h 20 min
